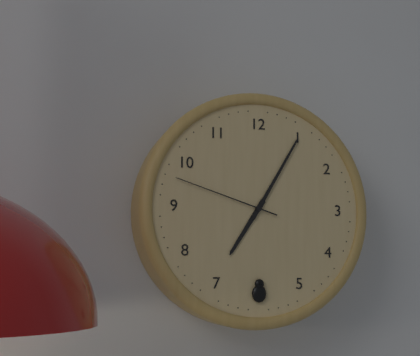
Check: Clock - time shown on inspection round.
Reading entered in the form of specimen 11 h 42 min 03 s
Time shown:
7 h 05 min 48 s
